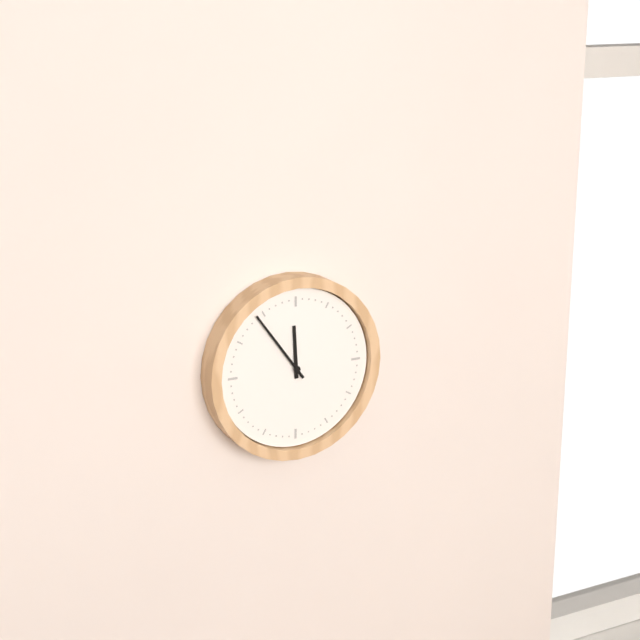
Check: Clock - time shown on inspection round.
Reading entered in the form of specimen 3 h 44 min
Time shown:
11 h 54 min
